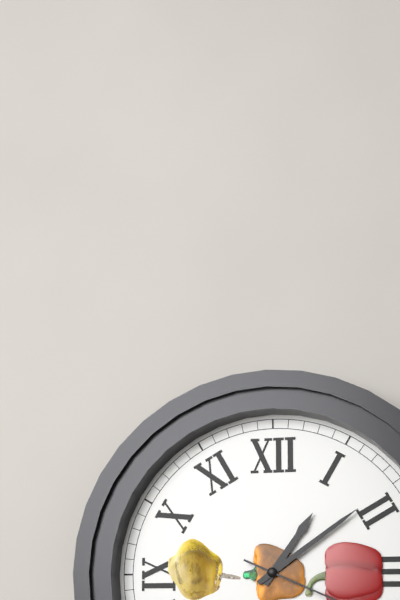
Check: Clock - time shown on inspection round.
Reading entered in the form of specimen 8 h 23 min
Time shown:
1 h 09 min
